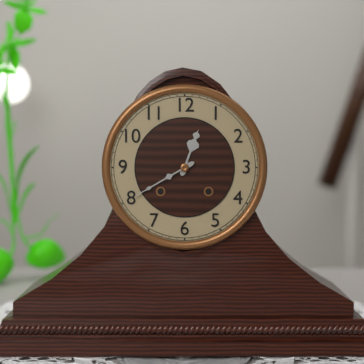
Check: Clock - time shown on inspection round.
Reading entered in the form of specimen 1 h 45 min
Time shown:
12 h 40 min
